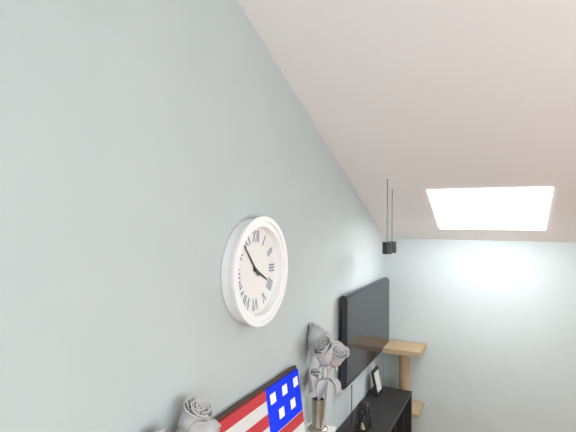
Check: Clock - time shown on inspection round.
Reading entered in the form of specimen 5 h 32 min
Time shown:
3 h 53 min
